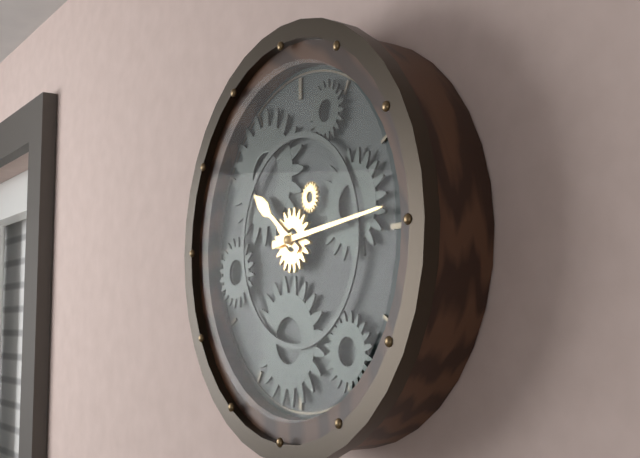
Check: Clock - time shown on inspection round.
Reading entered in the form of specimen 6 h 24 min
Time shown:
10 h 14 min
